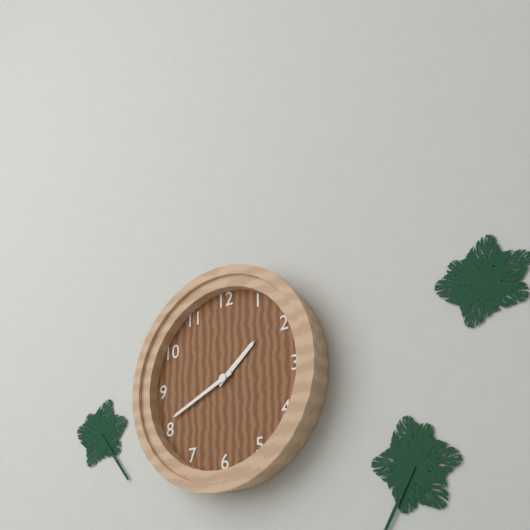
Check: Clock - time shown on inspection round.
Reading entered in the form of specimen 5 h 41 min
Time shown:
1 h 41 min
